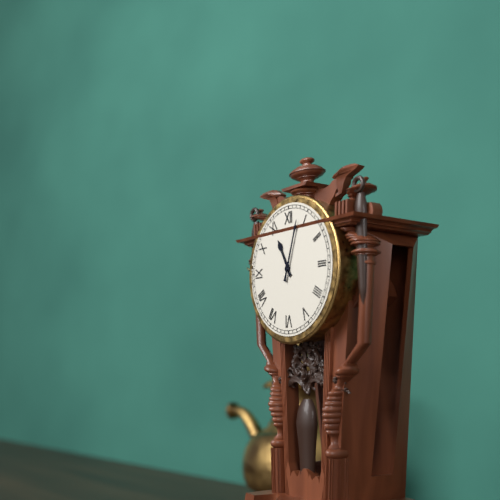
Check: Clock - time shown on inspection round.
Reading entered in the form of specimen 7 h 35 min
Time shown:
11 h 03 min
